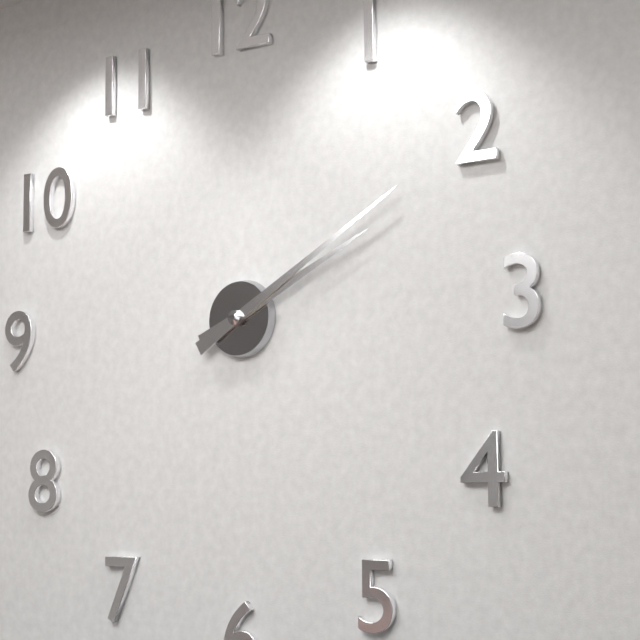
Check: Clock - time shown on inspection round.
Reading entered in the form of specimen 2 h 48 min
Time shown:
2 h 10 min
